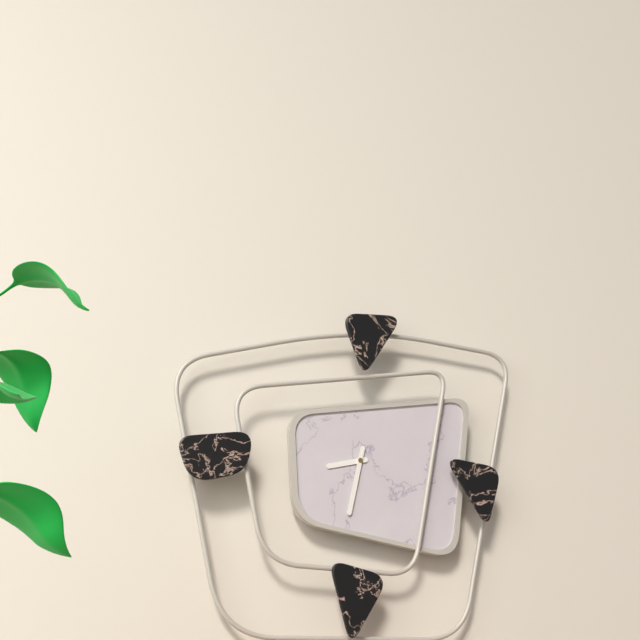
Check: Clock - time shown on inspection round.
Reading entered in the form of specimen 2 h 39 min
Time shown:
8 h 32 min
